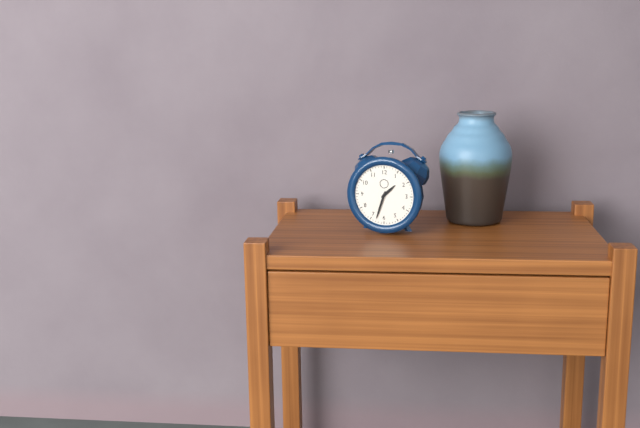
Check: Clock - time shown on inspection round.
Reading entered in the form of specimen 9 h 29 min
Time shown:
1 h 33 min
